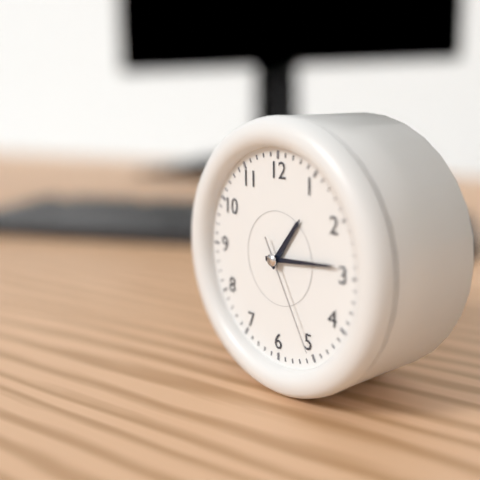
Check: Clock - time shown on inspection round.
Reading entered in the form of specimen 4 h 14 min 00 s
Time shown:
1 h 14 min 25 s
